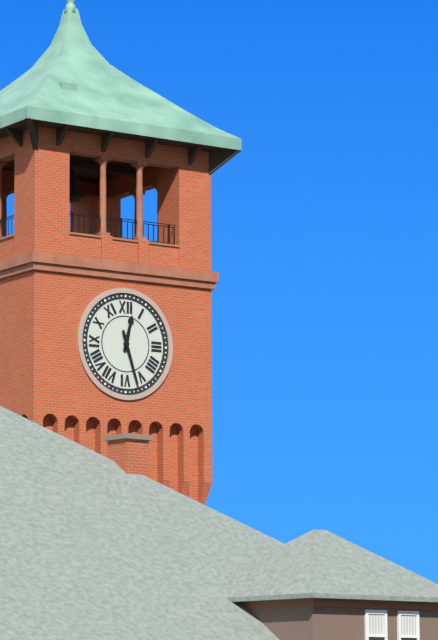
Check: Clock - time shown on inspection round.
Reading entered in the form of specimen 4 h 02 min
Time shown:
12 h 27 min
